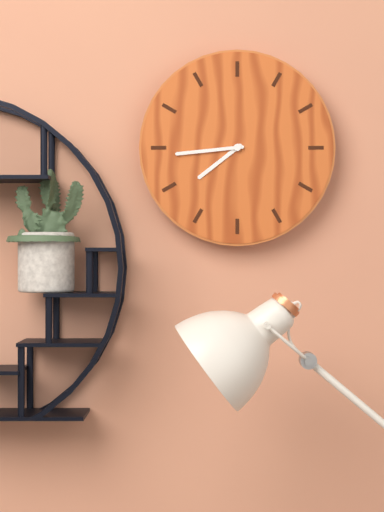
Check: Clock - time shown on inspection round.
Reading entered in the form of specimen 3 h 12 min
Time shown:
7 h 44 min
